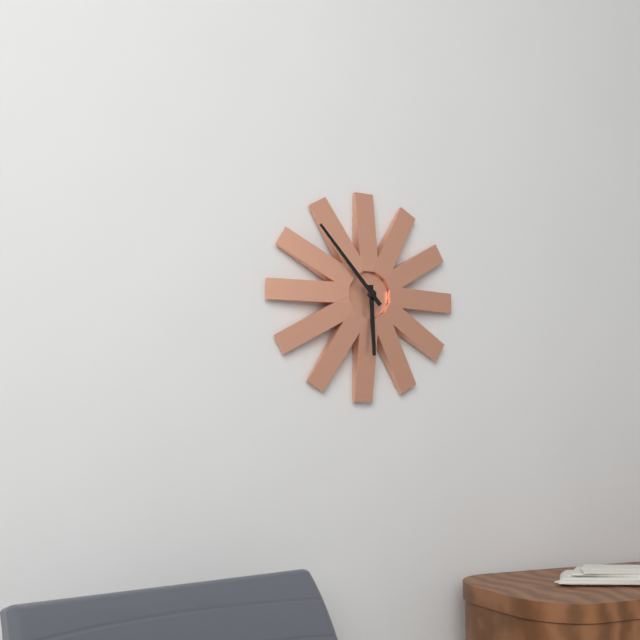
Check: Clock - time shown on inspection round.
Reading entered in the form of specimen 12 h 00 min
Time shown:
5 h 53 min
